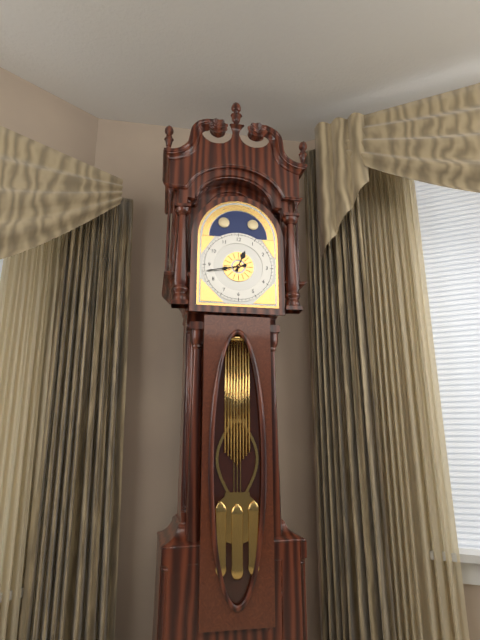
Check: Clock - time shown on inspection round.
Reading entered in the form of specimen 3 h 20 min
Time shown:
12 h 43 min
